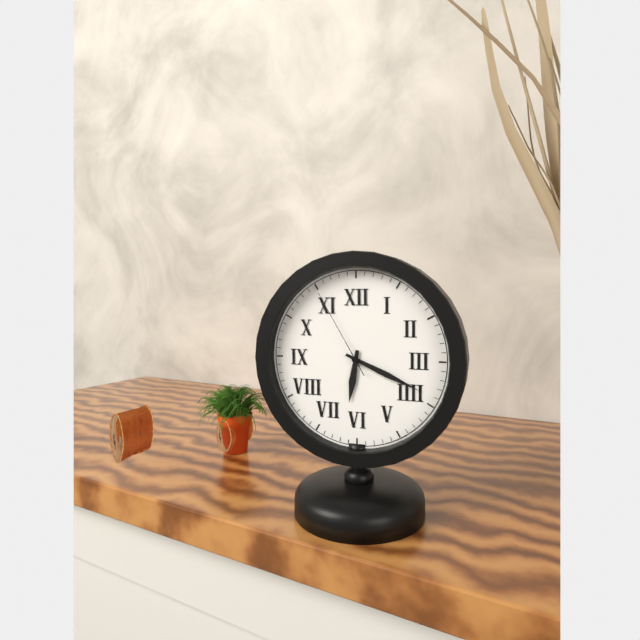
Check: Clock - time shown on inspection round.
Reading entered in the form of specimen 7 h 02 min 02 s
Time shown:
6 h 19 min 55 s
